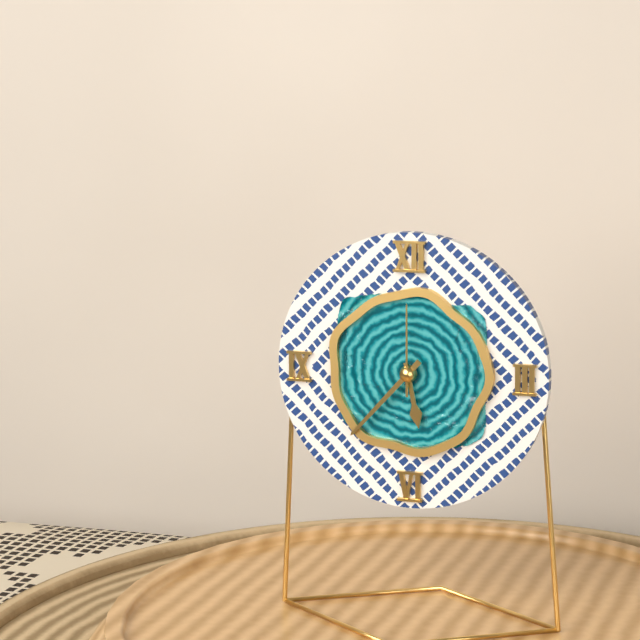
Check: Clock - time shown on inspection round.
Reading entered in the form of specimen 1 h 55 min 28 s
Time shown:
5 h 37 min 00 s
